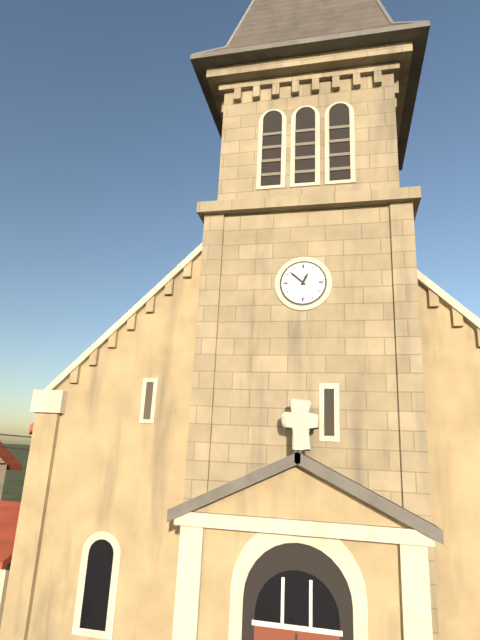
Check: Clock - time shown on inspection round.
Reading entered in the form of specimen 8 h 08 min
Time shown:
12 h 52 min
